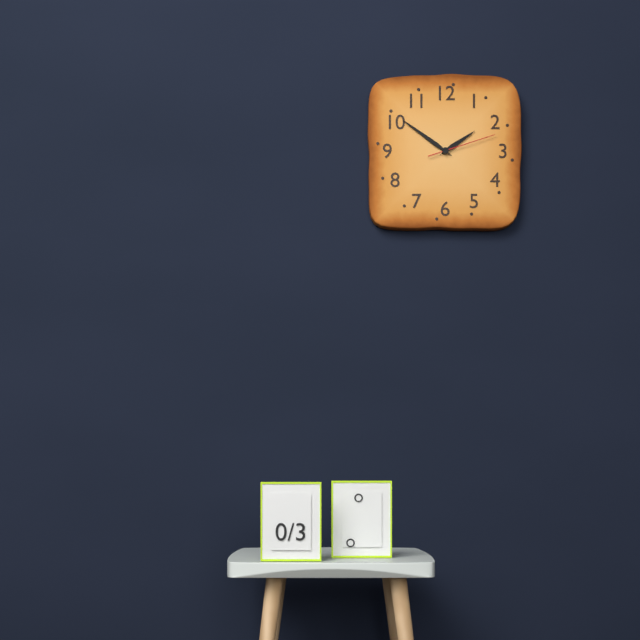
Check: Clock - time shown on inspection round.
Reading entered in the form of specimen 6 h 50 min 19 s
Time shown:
1 h 51 min 12 s
